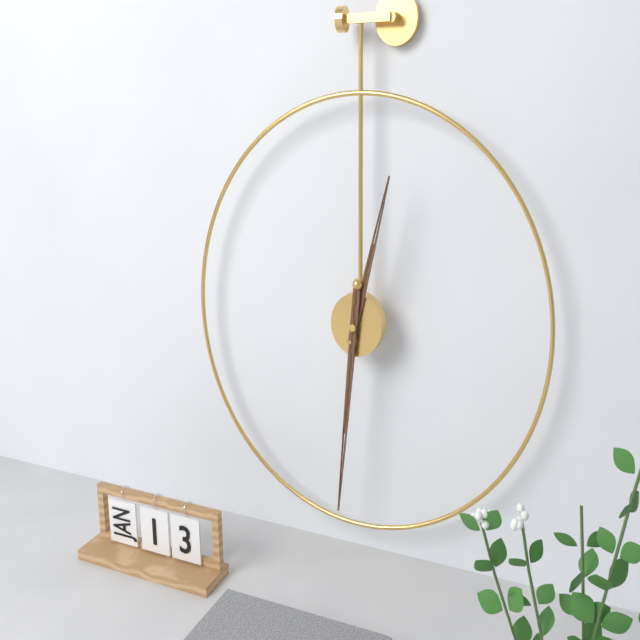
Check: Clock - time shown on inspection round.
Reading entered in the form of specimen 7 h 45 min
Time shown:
12 h 31 min
